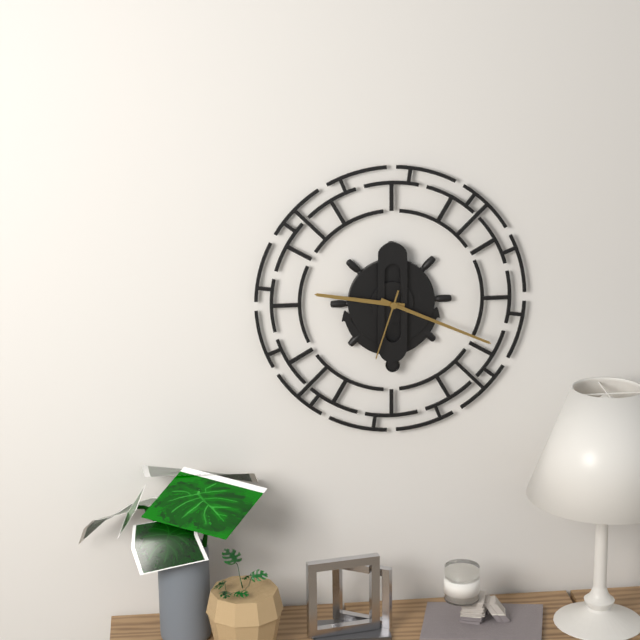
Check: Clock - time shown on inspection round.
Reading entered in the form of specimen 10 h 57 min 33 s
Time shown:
9 h 19 min 33 s
